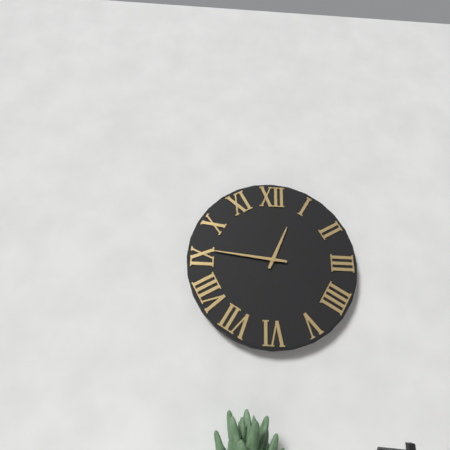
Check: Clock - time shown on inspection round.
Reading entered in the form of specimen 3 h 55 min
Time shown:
12 h 46 min
